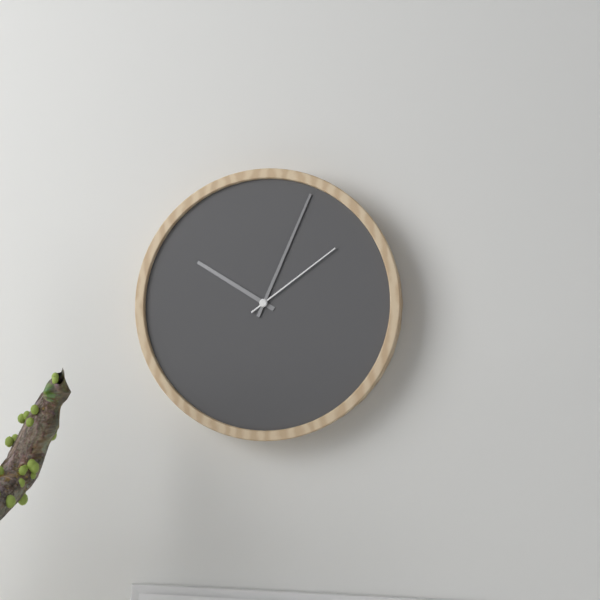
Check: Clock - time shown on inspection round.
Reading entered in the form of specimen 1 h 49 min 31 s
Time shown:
10 h 04 min 09 s
